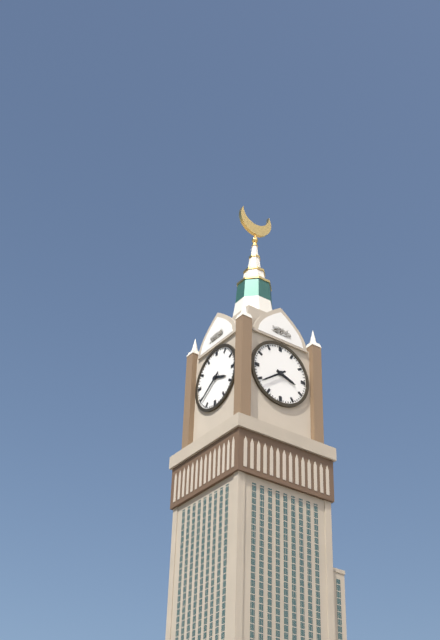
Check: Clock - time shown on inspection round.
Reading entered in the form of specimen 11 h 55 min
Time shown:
3 h 39 min
